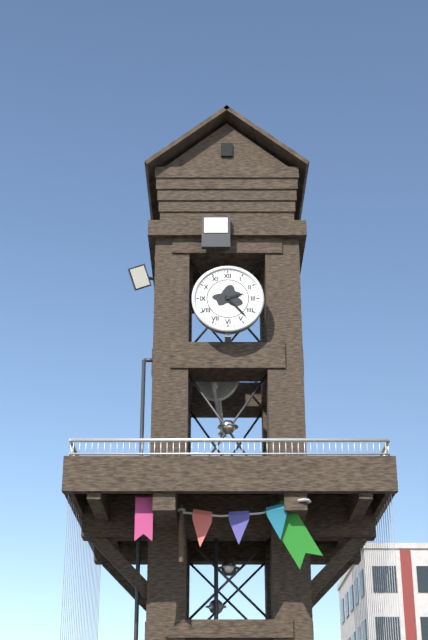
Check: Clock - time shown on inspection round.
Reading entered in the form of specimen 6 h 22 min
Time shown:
2 h 23 min
